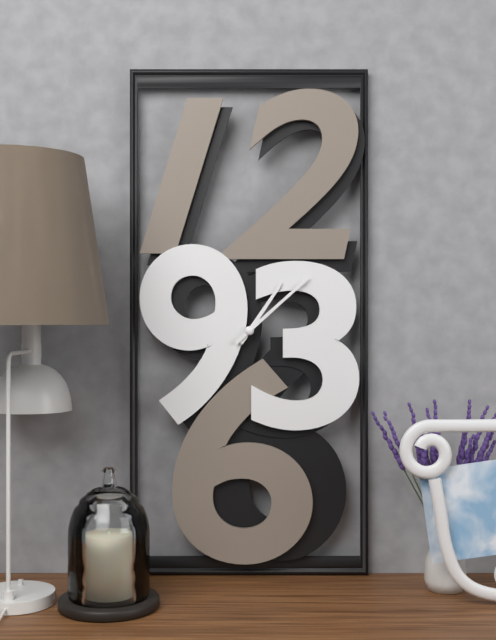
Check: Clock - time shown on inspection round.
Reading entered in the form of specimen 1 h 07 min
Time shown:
1 h 08 min
